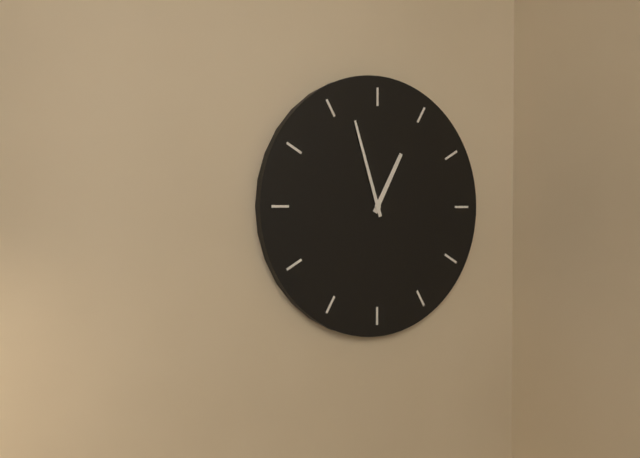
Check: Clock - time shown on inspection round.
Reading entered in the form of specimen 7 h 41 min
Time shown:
12 h 57 min
